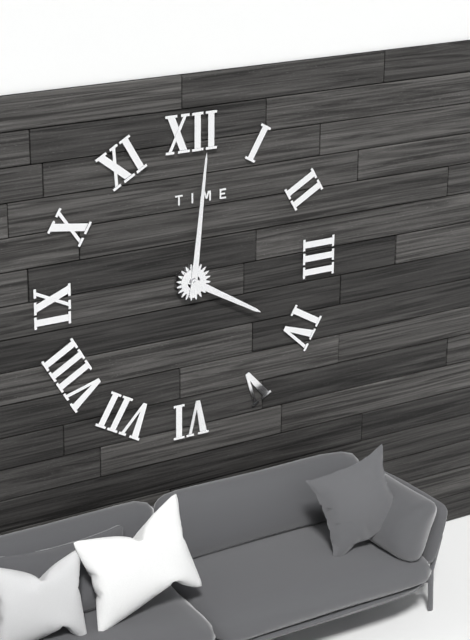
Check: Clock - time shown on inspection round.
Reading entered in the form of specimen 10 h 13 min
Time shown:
4 h 01 min
